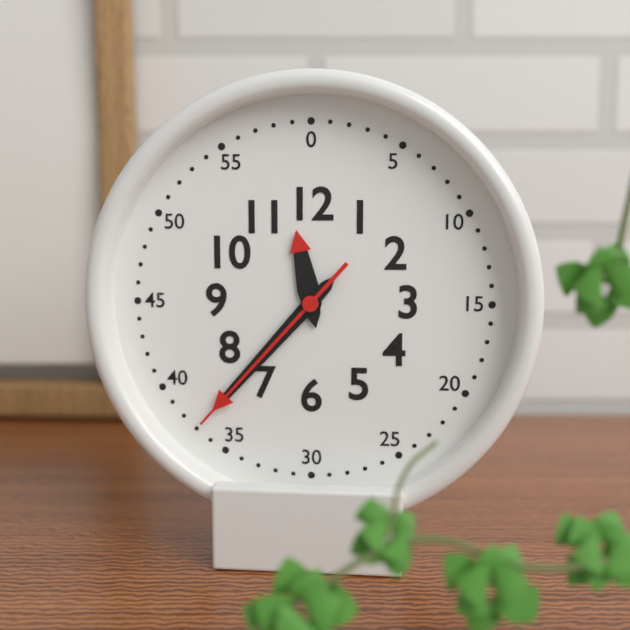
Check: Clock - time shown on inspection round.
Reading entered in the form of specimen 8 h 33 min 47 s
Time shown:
11 h 37 min 37 s
